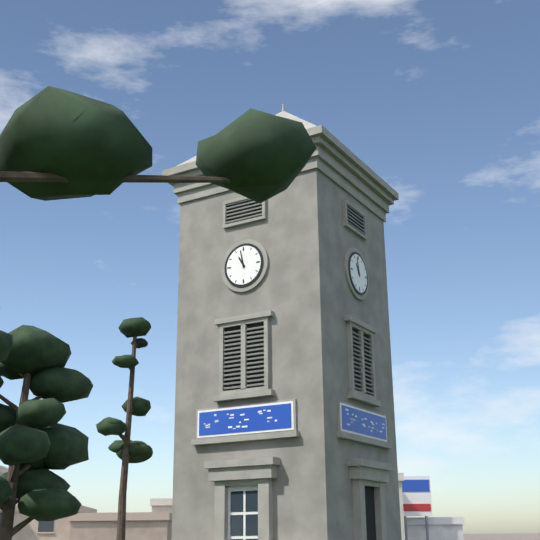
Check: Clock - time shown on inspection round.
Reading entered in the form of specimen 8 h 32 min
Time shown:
10 h 58 min
